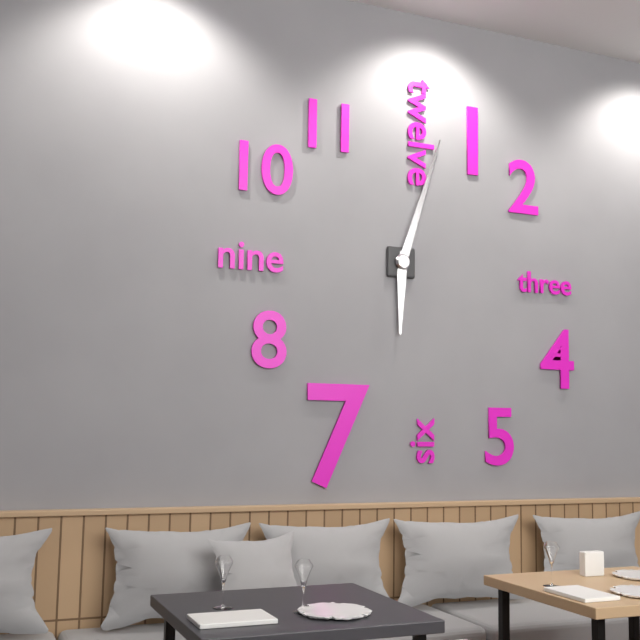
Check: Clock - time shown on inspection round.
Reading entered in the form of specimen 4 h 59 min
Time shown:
6 h 03 min
